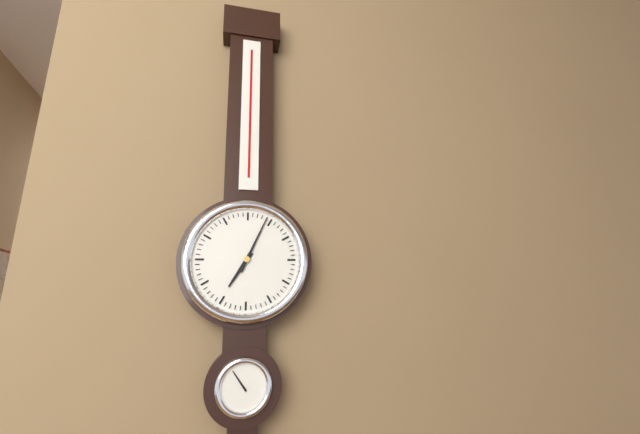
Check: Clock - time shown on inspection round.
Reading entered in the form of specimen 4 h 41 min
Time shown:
7 h 04 min
